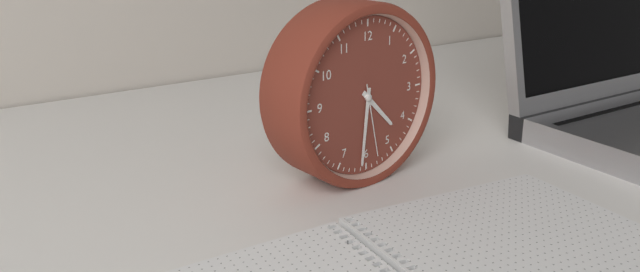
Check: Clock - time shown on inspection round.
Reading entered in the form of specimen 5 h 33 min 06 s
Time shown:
4 h 31 min 28 s
